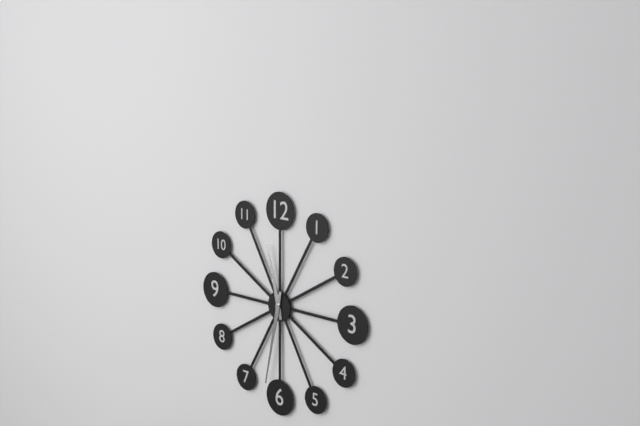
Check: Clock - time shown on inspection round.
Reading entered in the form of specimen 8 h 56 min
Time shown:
11 h 32 min
